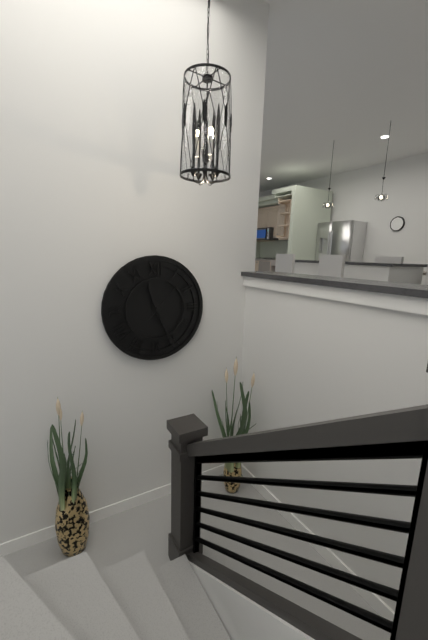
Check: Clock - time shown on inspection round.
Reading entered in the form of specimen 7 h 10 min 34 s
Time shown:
11 h 26 min 07 s
